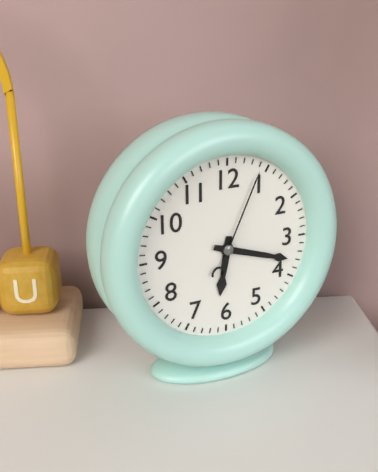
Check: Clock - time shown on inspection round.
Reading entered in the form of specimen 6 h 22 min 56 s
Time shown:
6 h 18 min 04 s
